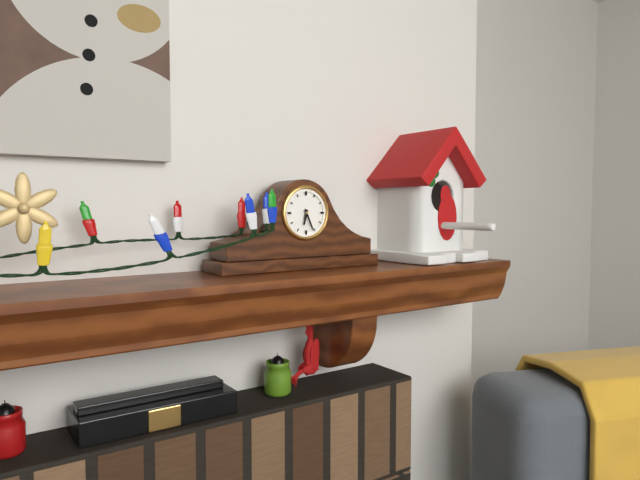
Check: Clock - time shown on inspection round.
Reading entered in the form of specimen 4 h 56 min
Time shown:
6 h 26 min
